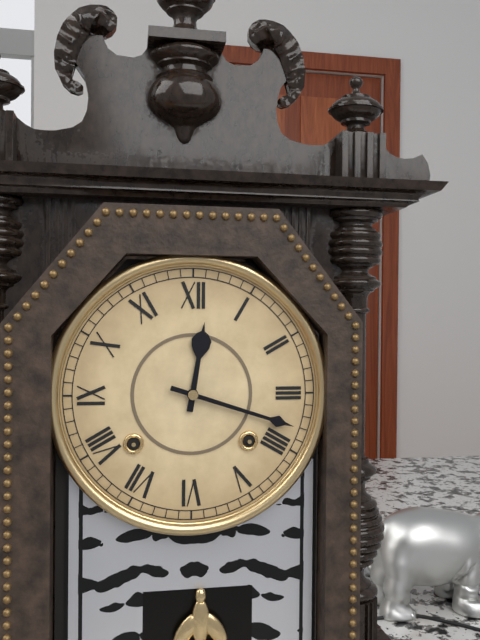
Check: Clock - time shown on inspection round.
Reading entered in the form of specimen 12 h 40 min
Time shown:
12 h 18 min
